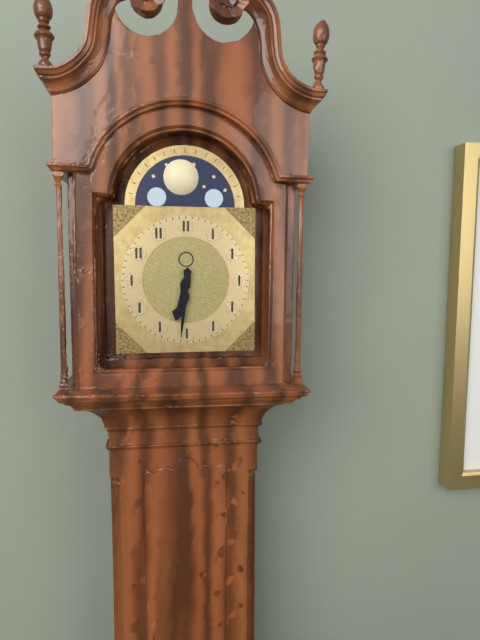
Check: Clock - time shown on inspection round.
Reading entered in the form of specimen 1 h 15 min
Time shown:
6 h 31 min
